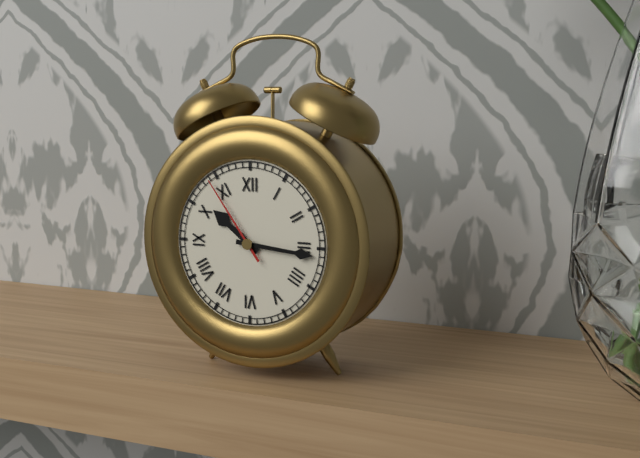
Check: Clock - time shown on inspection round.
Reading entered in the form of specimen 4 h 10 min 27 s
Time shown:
10 h 16 min 54 s
